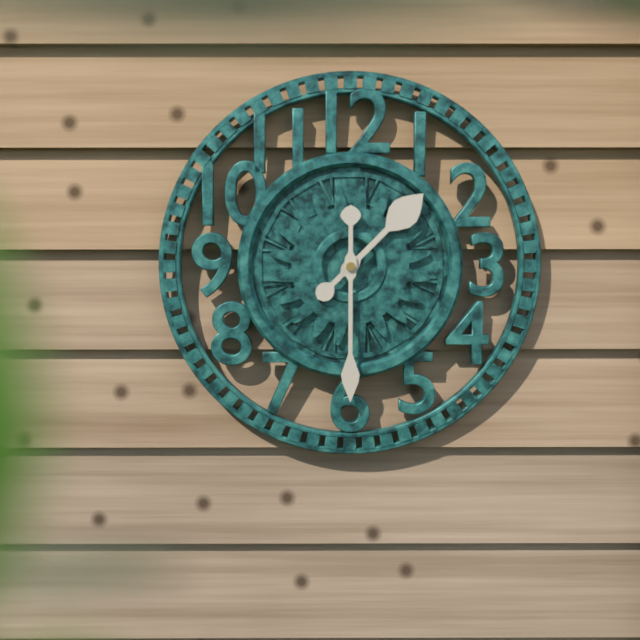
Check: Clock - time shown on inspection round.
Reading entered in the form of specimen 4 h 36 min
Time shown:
1 h 30 min
